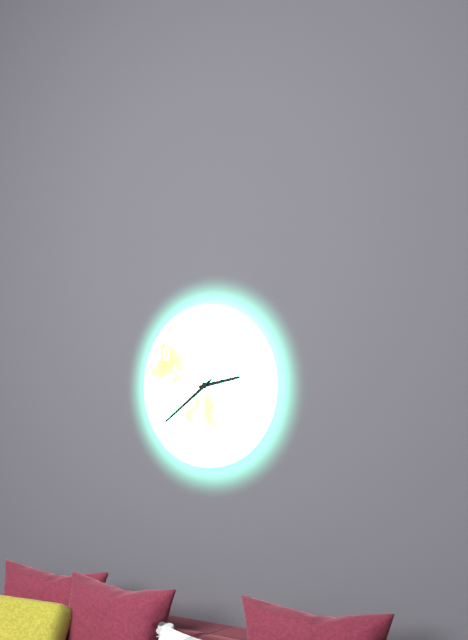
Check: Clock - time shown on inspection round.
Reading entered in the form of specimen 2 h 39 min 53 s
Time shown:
2 h 39 min 39 s
